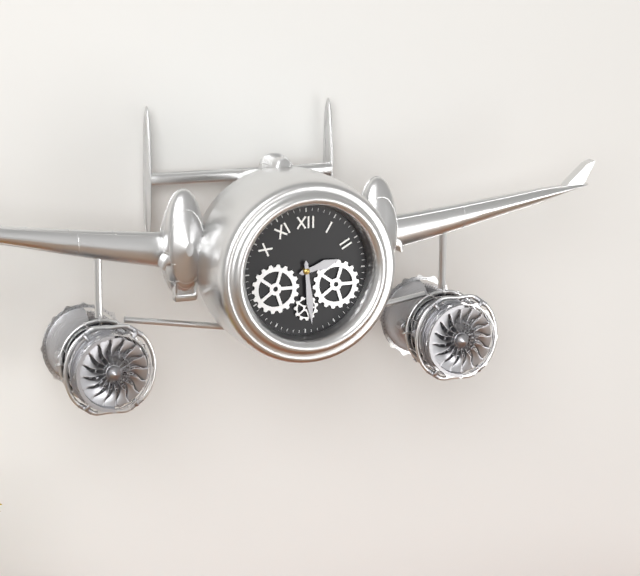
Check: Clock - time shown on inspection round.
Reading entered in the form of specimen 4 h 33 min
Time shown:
2 h 29 min
